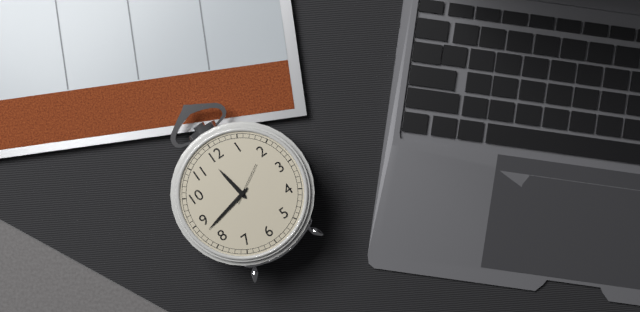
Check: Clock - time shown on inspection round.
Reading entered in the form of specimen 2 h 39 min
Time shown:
11 h 43 min
